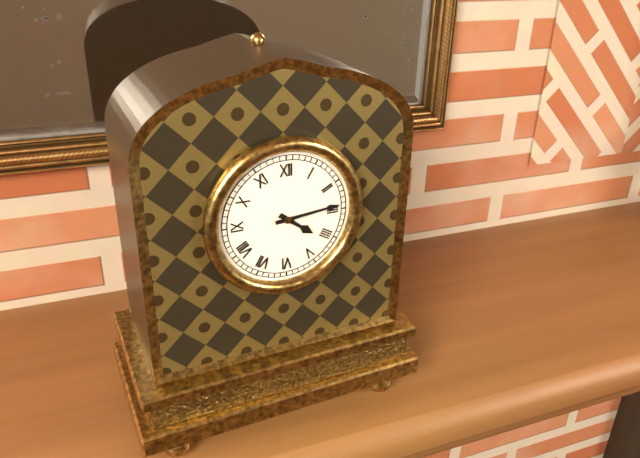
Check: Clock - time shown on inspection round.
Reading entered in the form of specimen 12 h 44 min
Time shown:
4 h 14 min
